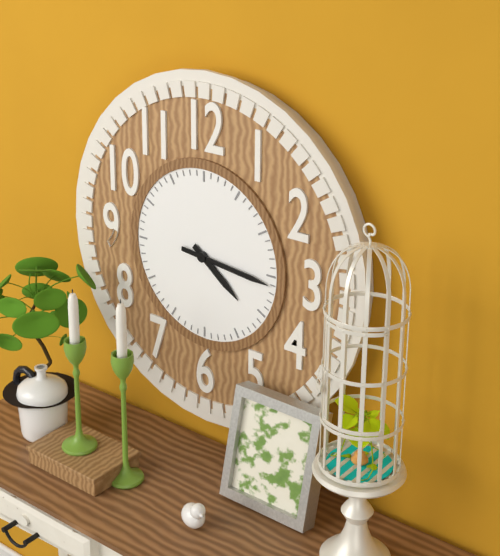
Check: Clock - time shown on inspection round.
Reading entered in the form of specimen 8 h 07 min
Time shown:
4 h 16 min
